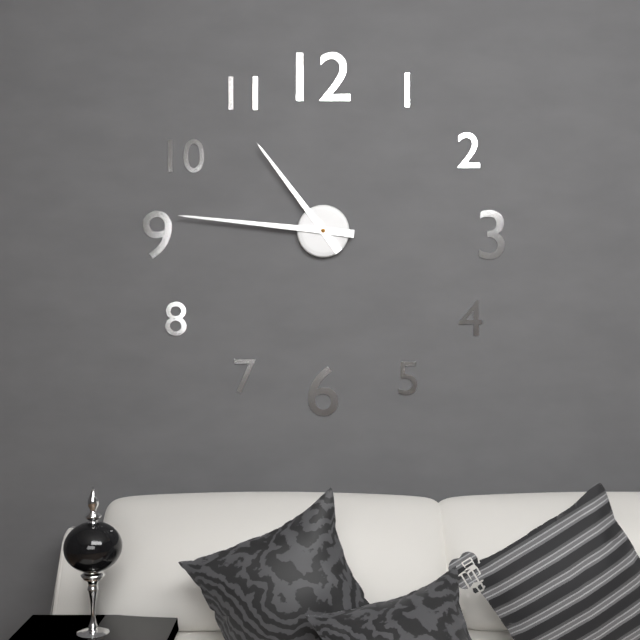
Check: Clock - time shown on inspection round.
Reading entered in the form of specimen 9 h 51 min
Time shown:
10 h 46 min
